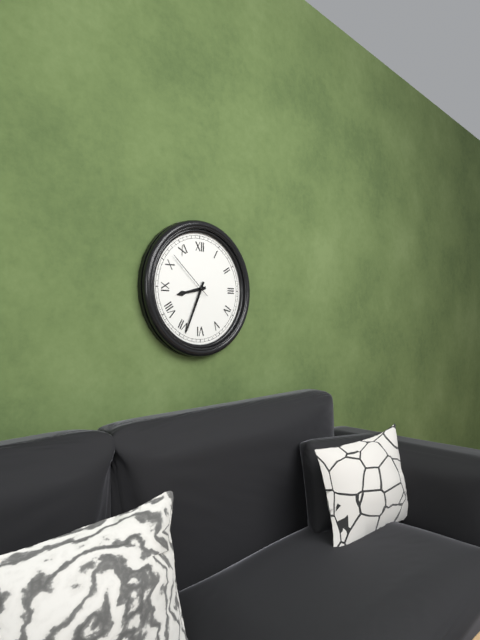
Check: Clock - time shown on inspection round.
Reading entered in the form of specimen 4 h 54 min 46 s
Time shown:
8 h 34 min 52 s
